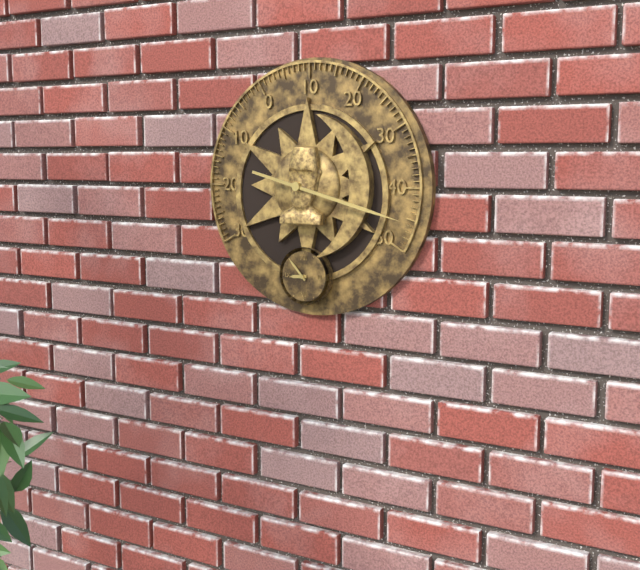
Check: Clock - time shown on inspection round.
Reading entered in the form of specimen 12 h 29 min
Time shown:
8 h 53 min
